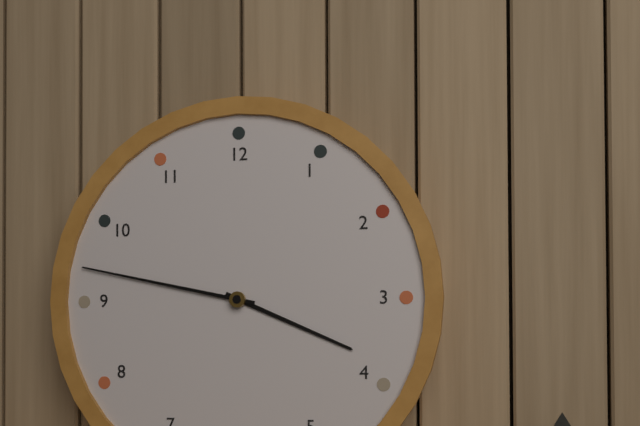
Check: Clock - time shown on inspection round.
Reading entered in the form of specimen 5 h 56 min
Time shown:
3 h 47 min
